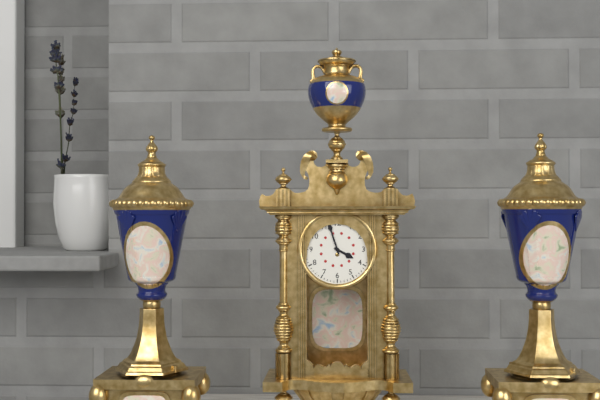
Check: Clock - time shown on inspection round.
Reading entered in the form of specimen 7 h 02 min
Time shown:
3 h 57 min
